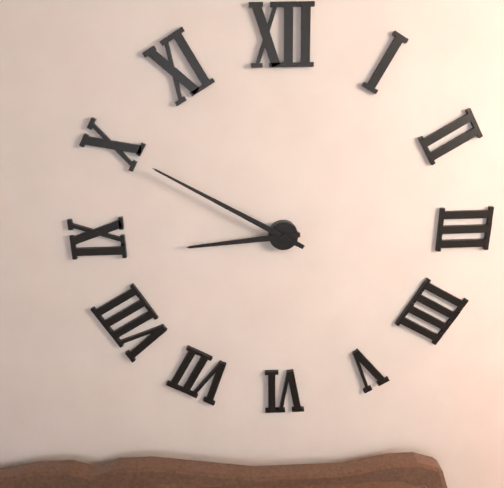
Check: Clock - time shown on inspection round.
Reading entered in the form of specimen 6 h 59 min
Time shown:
8 h 50 min
